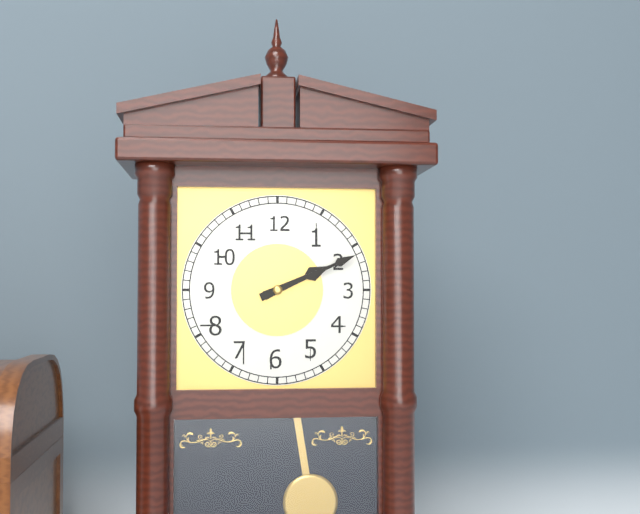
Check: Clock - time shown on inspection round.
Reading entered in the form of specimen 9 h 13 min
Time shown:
2 h 11 min
